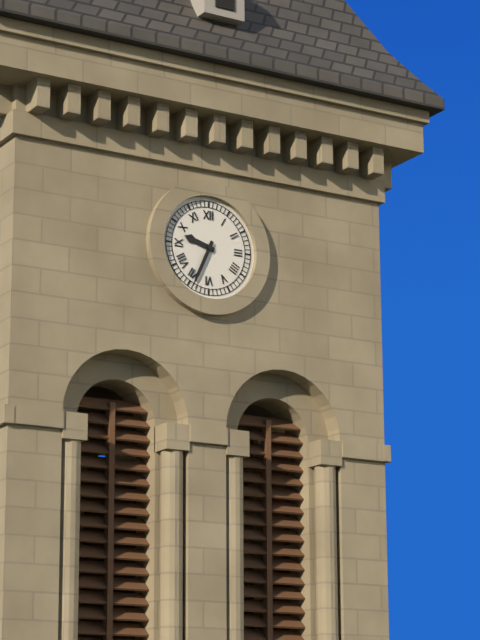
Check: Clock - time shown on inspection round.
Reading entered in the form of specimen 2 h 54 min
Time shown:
9 h 34 min
